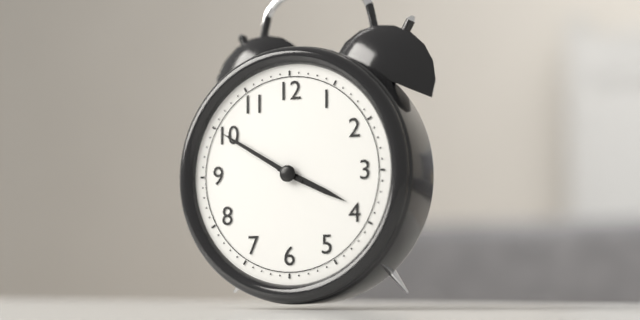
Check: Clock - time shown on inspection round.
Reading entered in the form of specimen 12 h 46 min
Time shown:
3 h 50 min
